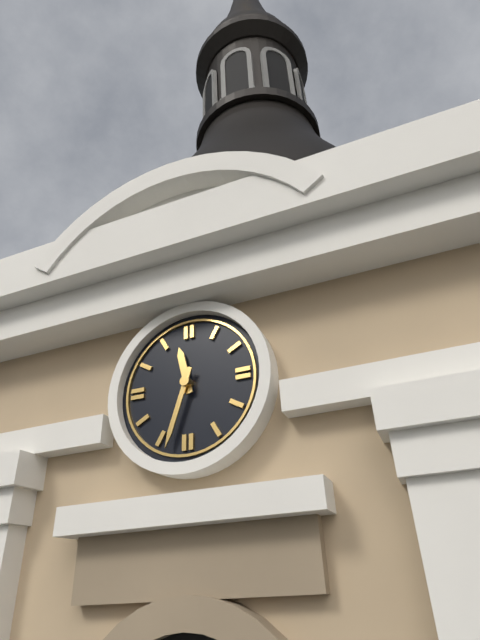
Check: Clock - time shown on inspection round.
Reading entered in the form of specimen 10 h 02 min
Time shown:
11 h 33 min
